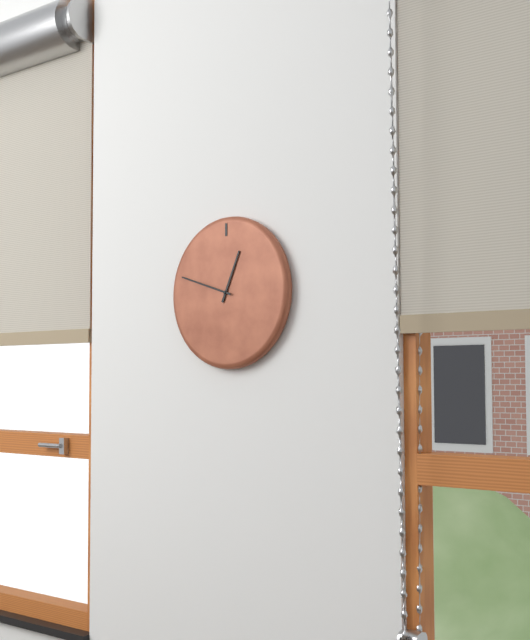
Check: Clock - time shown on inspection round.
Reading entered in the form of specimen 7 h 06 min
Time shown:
12 h 48 min
